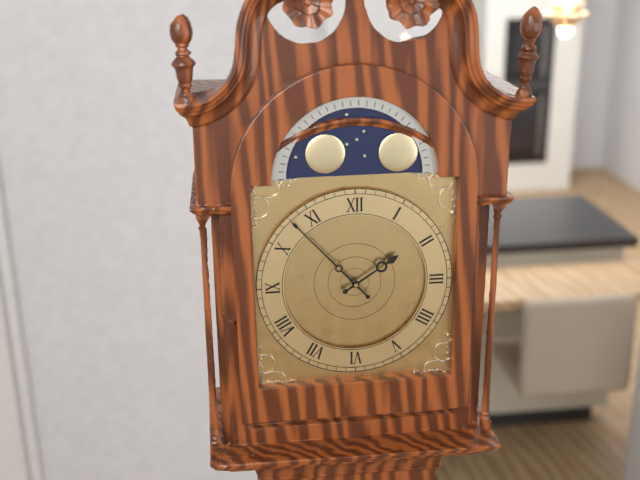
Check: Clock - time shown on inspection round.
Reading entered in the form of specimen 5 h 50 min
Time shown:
1 h 53 min
